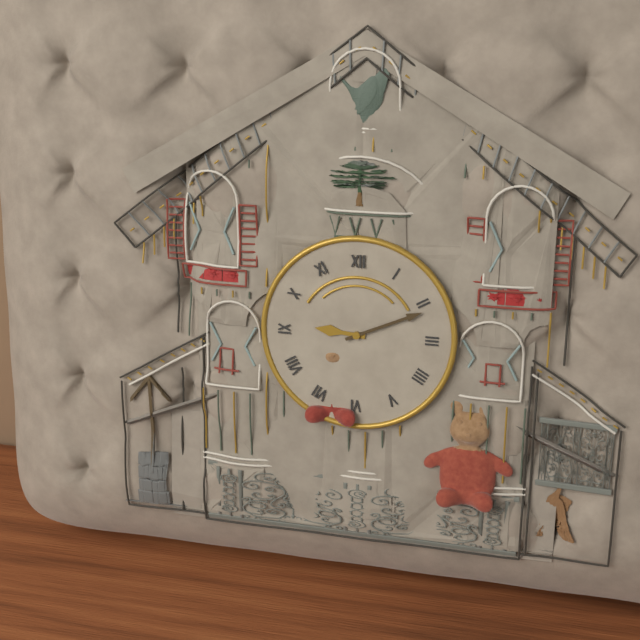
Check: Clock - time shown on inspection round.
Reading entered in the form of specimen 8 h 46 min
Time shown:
9 h 11 min
